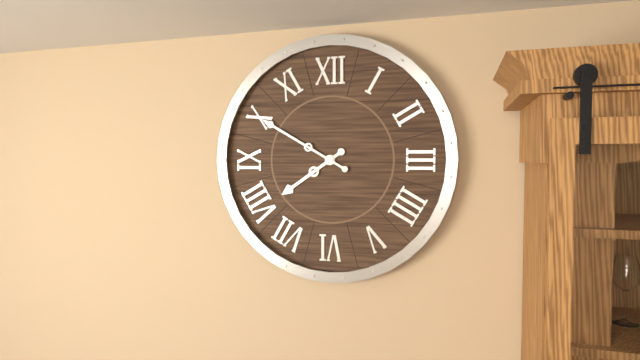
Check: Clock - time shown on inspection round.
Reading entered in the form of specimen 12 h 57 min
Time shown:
7 h 50 min
